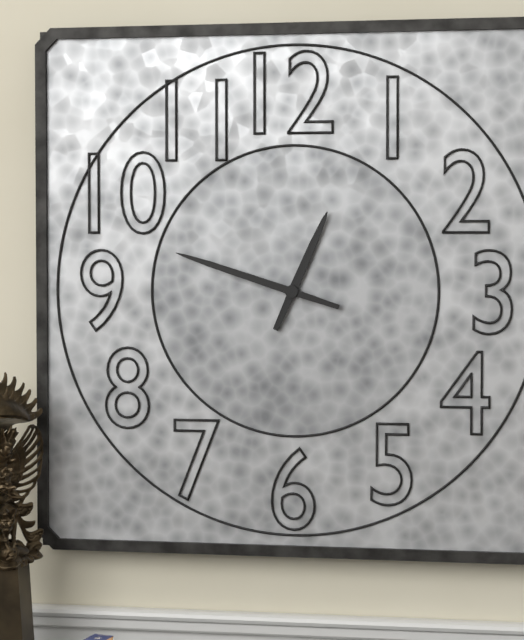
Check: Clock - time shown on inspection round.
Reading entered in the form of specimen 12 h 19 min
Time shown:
12 h 48 min
